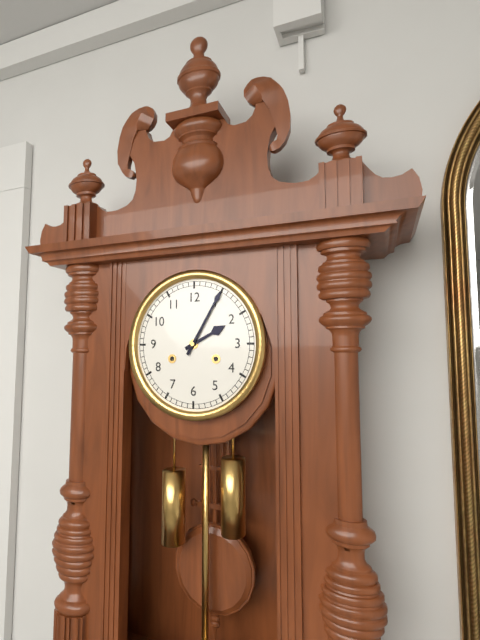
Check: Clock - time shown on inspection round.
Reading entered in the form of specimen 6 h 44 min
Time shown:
2 h 05 min
